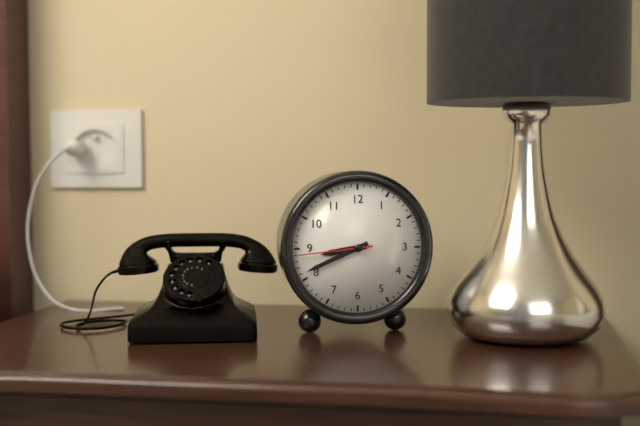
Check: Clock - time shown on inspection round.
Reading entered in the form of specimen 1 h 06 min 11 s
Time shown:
8 h 41 min 44 s
